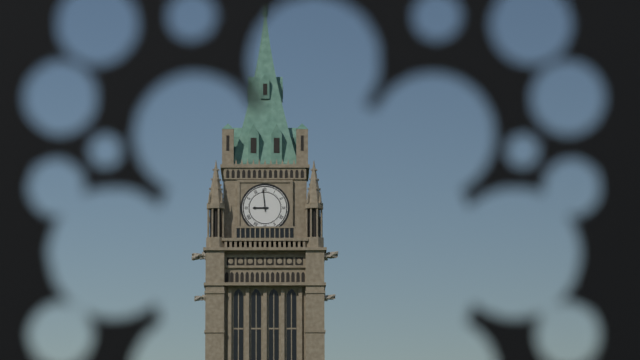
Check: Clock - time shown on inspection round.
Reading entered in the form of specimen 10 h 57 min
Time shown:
8 h 59 min
